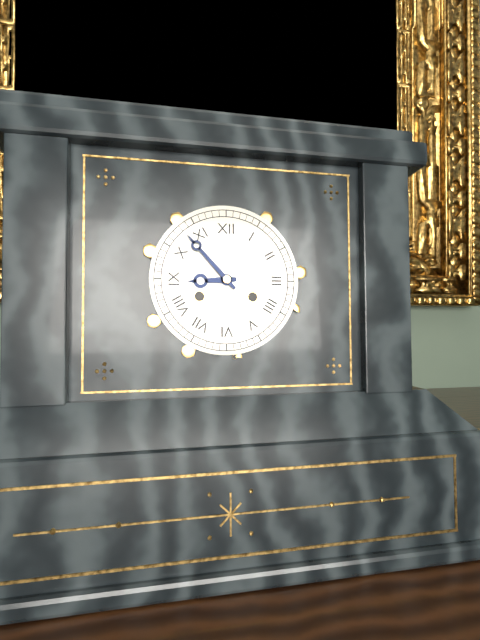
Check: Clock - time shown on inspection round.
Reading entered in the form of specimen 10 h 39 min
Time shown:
8 h 53 min
